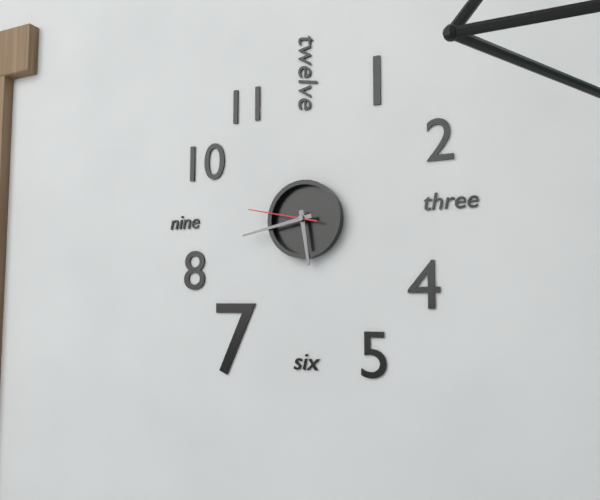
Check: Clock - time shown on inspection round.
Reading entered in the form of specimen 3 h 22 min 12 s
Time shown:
5 h 43 min 47 s
